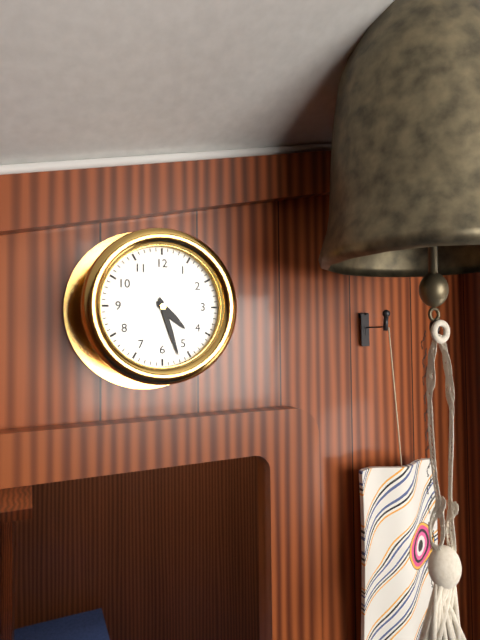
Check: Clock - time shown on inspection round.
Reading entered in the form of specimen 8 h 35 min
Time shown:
4 h 27 min
